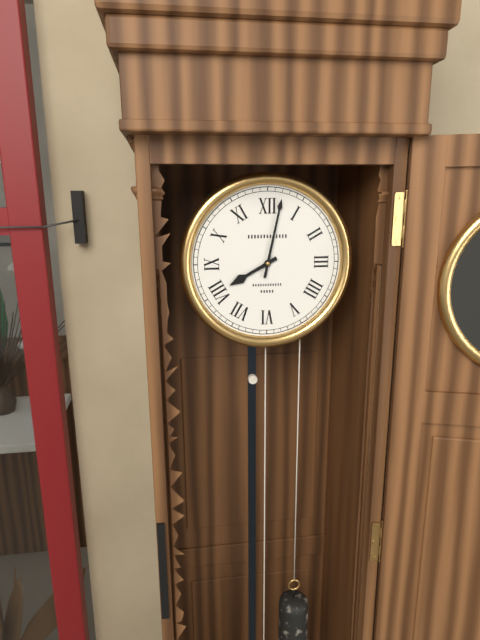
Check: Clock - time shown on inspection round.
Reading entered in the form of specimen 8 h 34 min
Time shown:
8 h 02 min
